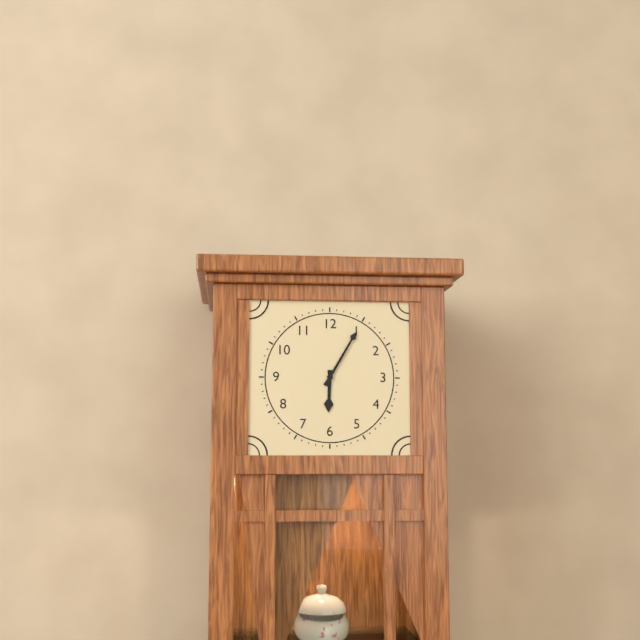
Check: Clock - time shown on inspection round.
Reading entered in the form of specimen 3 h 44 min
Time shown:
6 h 05 min
